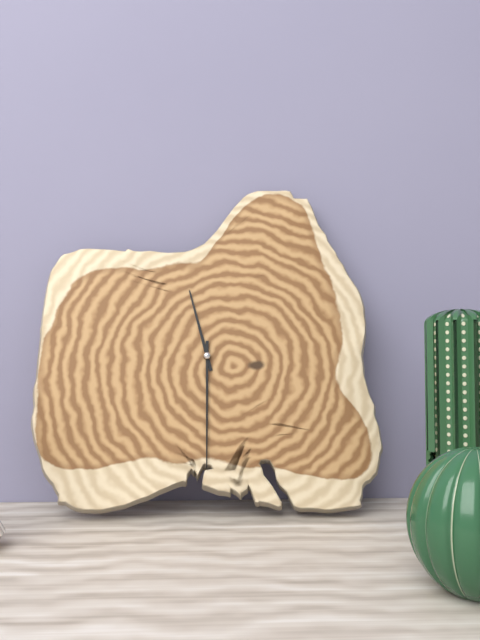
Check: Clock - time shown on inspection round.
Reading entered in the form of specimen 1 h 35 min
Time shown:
11 h 30 min
